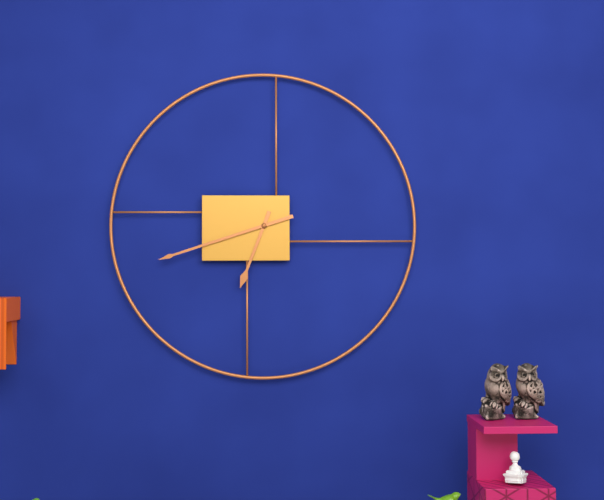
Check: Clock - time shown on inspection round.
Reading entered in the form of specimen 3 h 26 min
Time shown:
6 h 42 min
